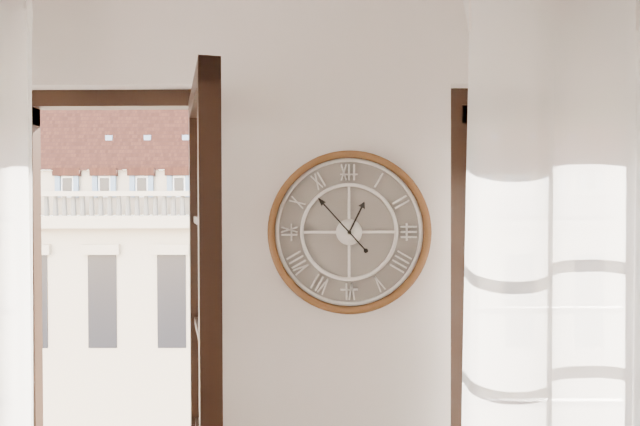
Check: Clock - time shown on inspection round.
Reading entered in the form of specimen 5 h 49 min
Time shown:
12 h 53 min
